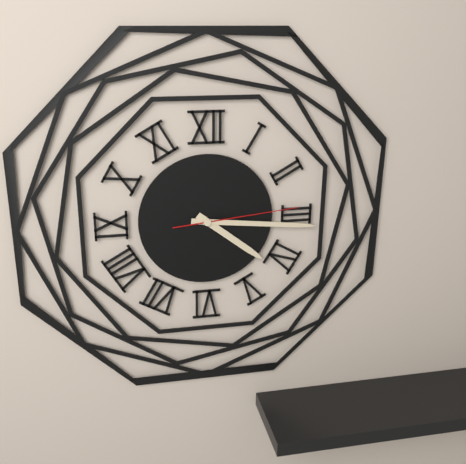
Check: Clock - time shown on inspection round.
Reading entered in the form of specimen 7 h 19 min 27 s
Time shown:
4 h 16 min 14 s
